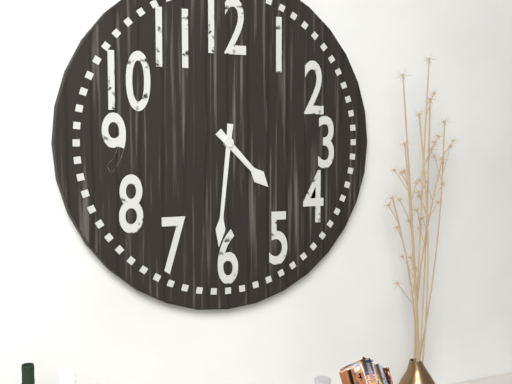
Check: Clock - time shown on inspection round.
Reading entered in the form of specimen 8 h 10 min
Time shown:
4 h 31 min
